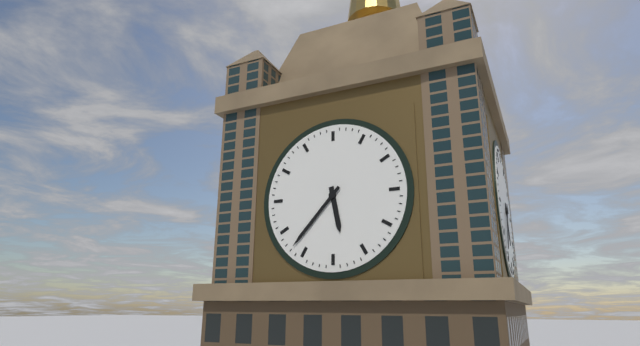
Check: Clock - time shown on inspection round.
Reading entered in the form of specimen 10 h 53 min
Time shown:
5 h 37 min
